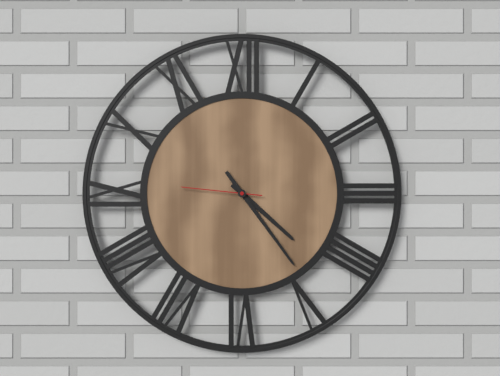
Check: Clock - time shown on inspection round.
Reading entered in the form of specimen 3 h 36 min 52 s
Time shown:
4 h 24 min 46 s
